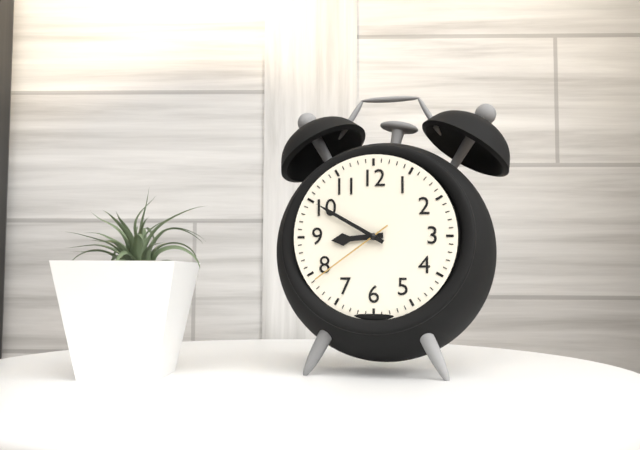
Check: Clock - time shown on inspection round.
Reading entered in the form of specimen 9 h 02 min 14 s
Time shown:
8 h 50 min 39 s
